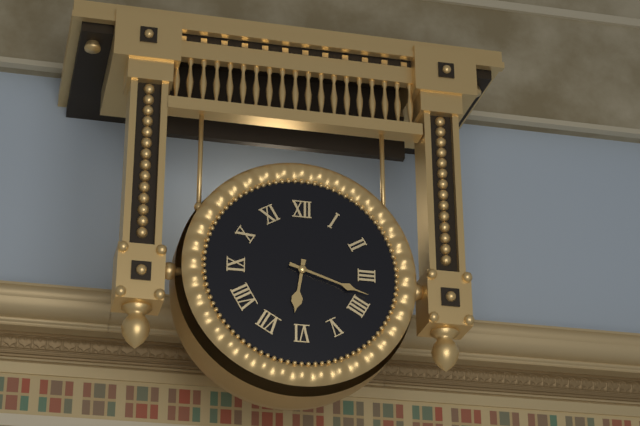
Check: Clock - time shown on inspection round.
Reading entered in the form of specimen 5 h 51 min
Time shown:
6 h 18 min
